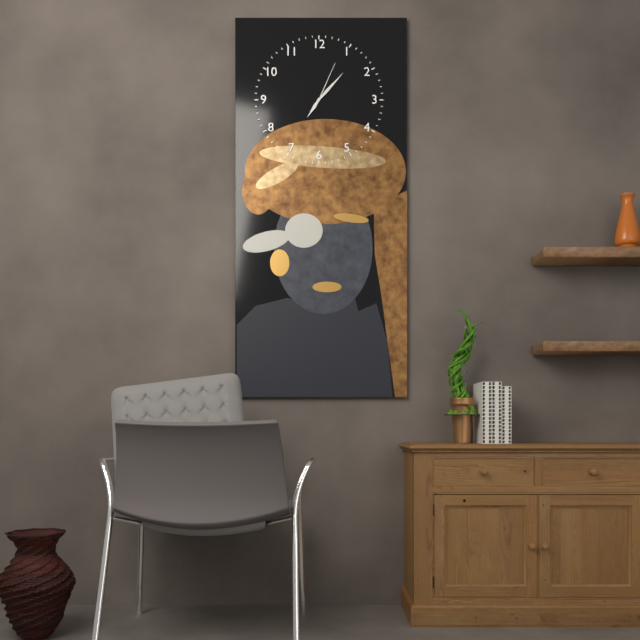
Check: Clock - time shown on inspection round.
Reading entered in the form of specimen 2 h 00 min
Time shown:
7 h 07 min
